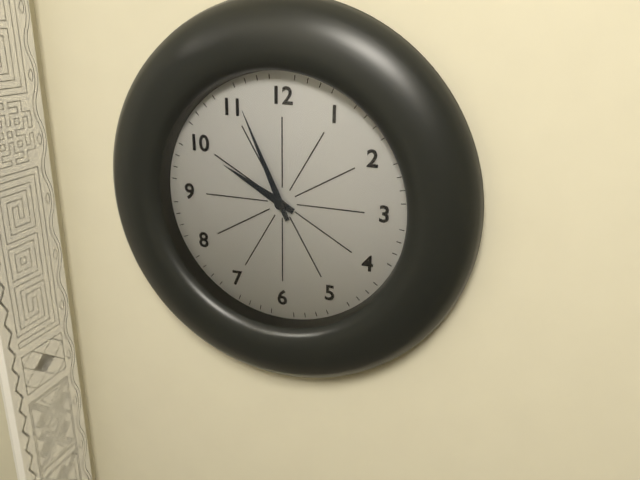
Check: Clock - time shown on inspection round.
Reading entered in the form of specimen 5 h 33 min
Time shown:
9 h 56 min
